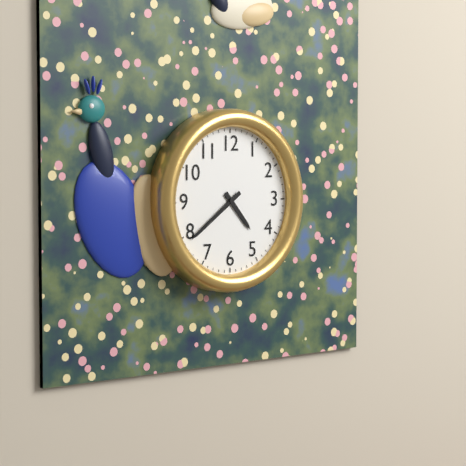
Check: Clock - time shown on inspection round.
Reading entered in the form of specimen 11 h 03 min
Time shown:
4 h 39 min
